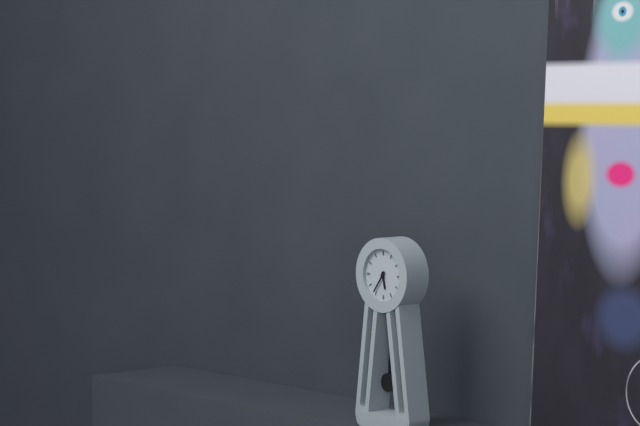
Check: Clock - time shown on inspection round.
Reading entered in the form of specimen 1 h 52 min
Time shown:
5 h 36 min
